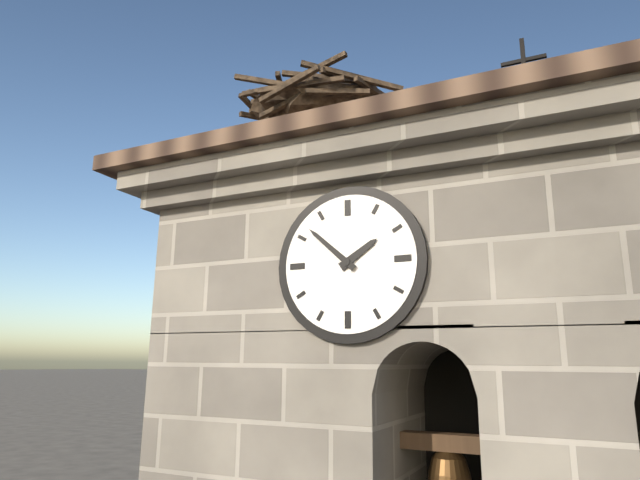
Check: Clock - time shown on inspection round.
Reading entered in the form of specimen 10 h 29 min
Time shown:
1 h 52 min
